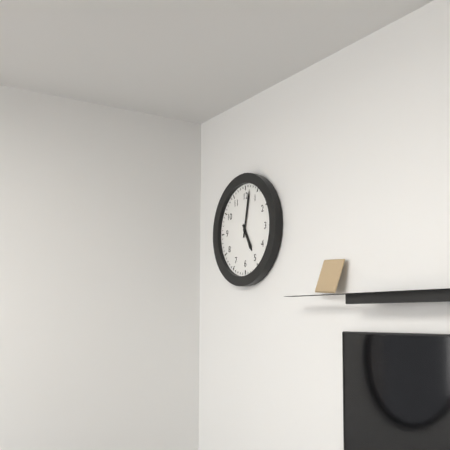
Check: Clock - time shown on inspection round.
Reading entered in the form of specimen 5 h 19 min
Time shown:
5 h 02 min
